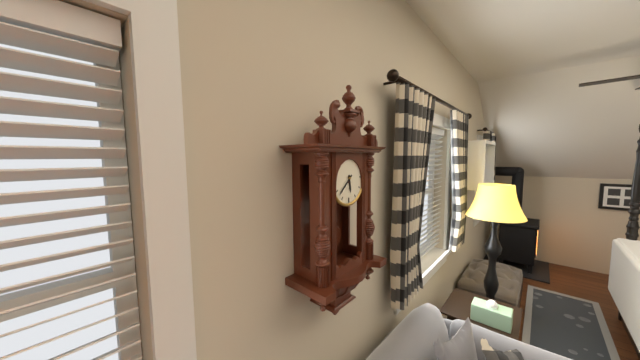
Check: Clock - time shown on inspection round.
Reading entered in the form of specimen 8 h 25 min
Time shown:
5 h 38 min
